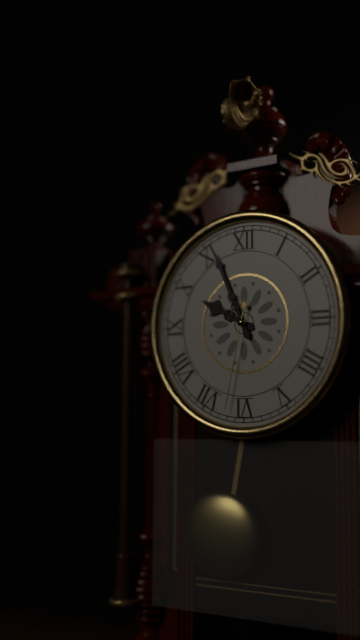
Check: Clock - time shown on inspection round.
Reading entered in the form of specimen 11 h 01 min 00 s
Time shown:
9 h 56 min 32 s
